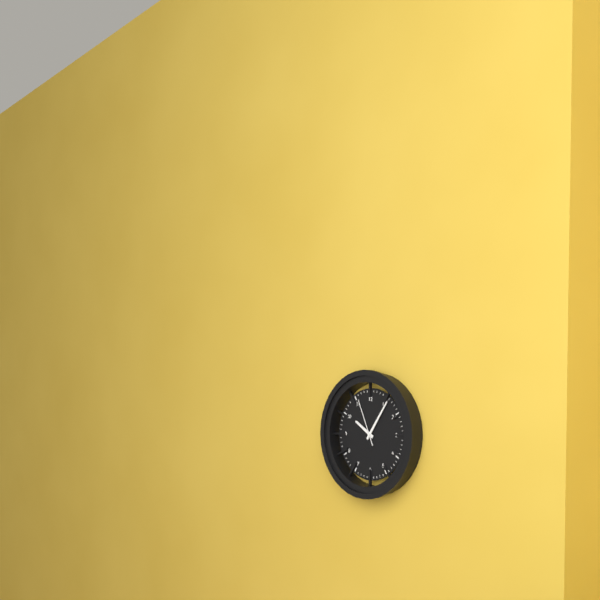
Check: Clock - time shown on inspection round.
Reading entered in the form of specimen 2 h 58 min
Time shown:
10 h 06 min
